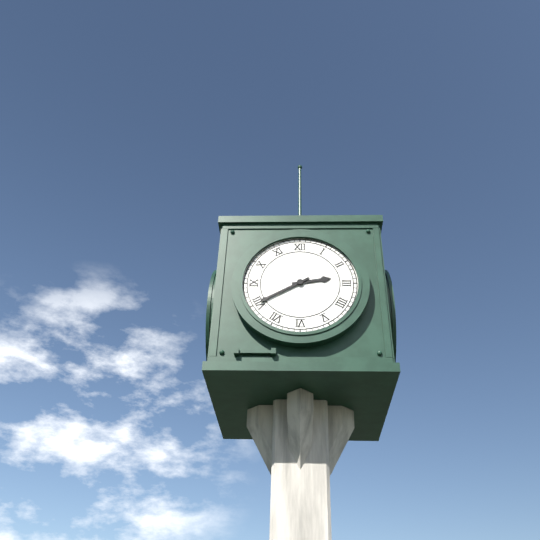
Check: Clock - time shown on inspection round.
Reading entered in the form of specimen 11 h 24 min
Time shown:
2 h 40 min
